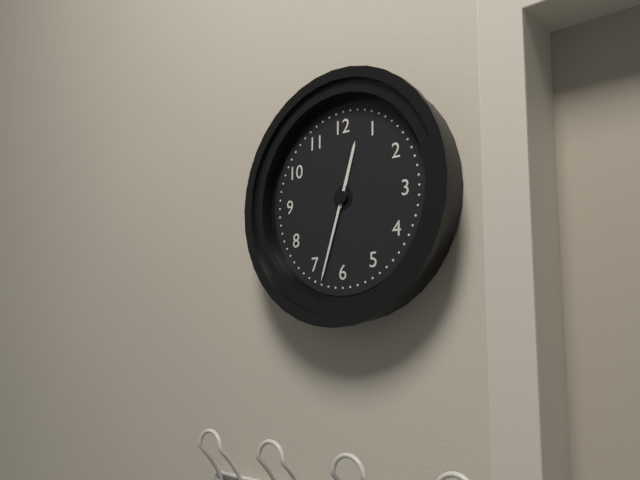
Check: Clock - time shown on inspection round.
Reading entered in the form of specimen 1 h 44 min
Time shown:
12 h 33 min
